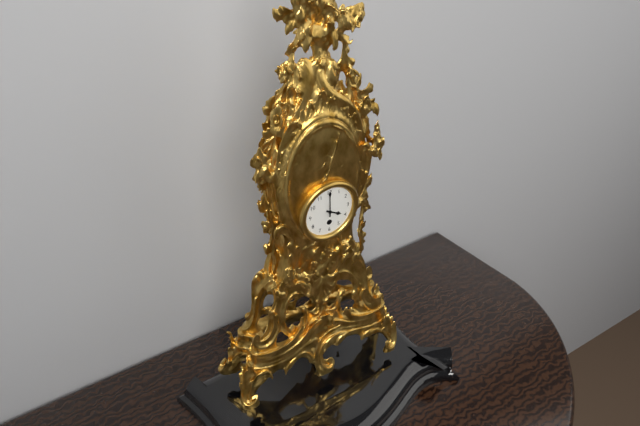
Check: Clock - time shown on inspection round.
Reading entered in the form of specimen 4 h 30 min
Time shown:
4 h 00 min
